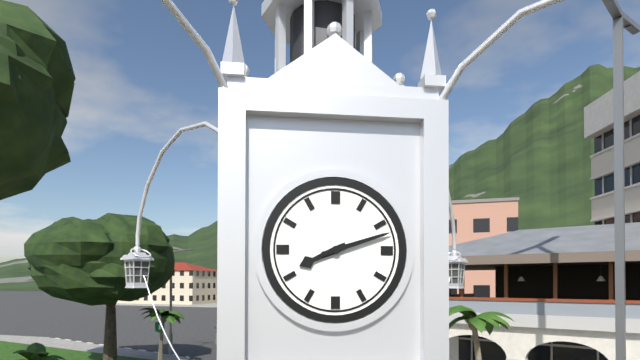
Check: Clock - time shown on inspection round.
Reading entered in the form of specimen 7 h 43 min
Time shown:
8 h 12 min
